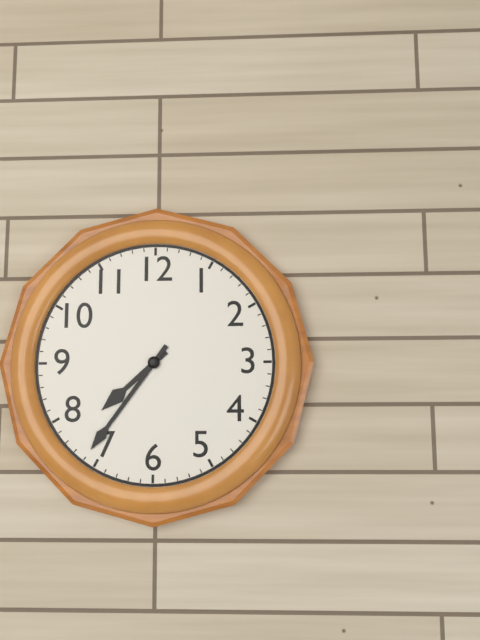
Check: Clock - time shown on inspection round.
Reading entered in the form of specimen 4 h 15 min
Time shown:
7 h 36 min
